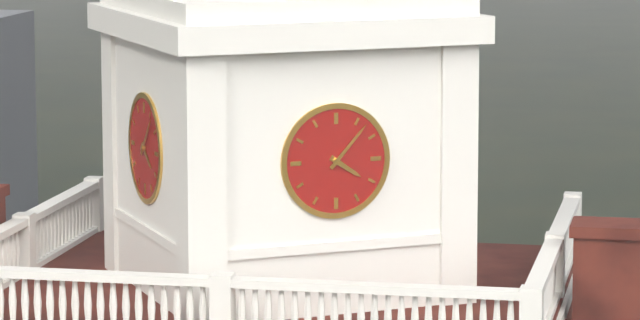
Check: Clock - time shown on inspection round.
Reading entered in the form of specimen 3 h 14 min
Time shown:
4 h 07 min
